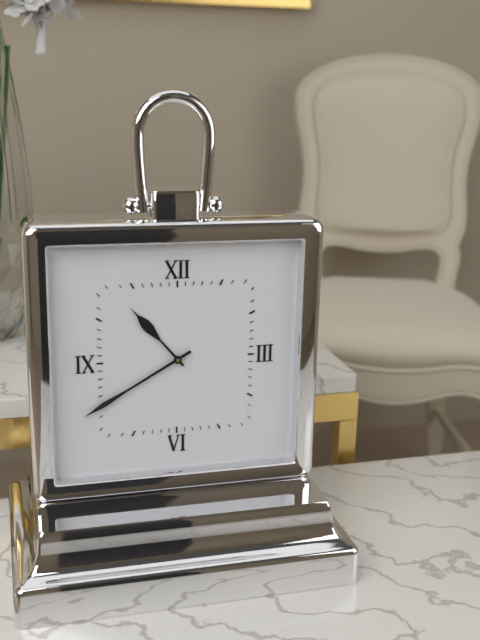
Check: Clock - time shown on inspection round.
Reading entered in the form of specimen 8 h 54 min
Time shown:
10 h 40 min
